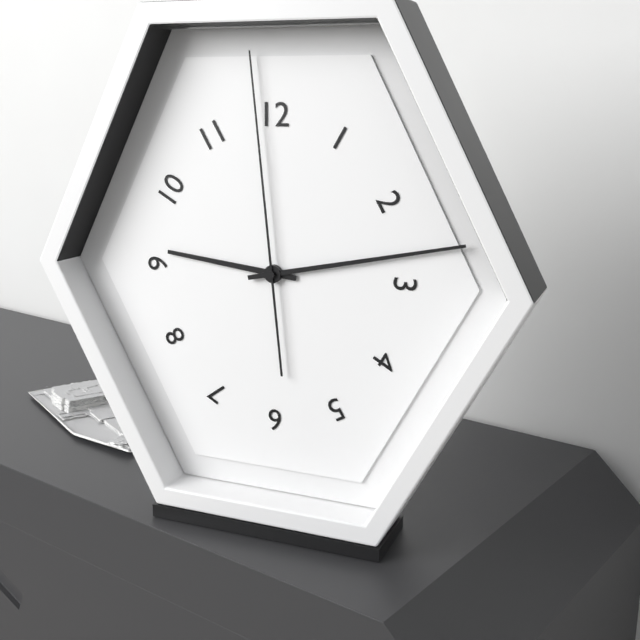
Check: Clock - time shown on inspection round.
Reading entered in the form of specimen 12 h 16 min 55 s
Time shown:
9 h 13 min 59 s
